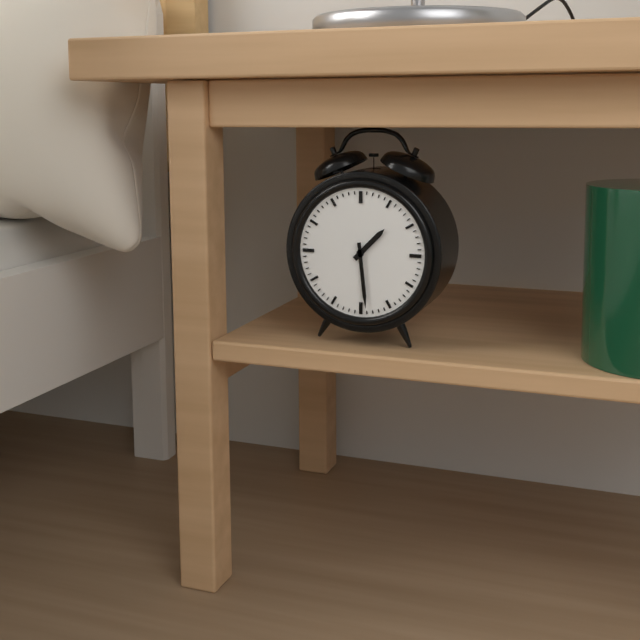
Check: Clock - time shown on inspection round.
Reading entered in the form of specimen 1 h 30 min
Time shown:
1 h 29 min
